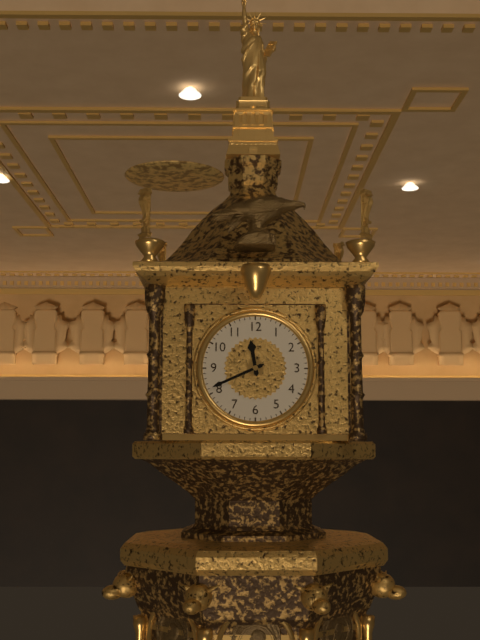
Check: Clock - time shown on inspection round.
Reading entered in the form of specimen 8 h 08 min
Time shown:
11 h 41 min
